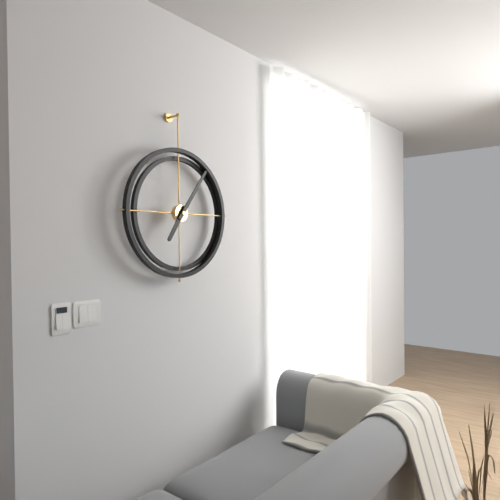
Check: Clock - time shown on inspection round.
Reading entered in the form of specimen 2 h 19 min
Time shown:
7 h 06 min
